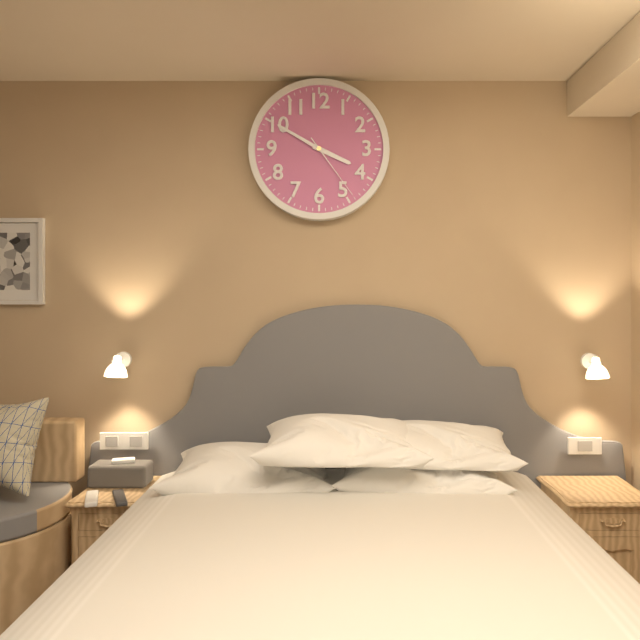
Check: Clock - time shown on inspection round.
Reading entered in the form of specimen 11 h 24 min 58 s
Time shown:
3 h 50 min 24 s
